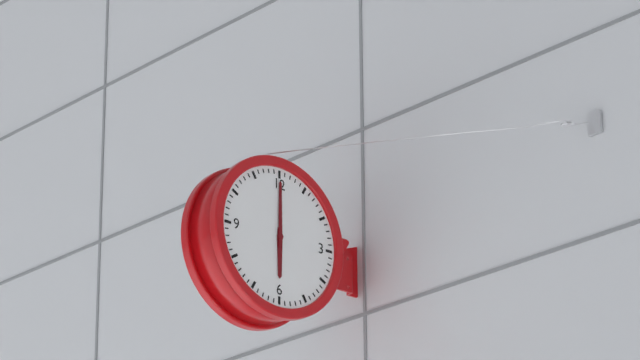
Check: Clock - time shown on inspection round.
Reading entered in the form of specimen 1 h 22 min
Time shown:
6 h 00 min
